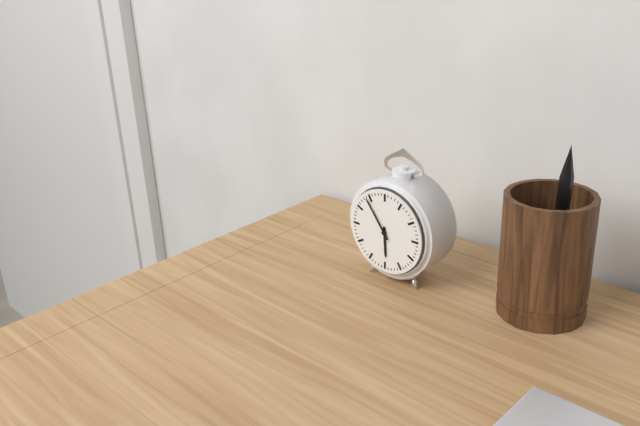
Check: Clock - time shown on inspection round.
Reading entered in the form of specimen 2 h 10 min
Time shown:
5 h 54 min
